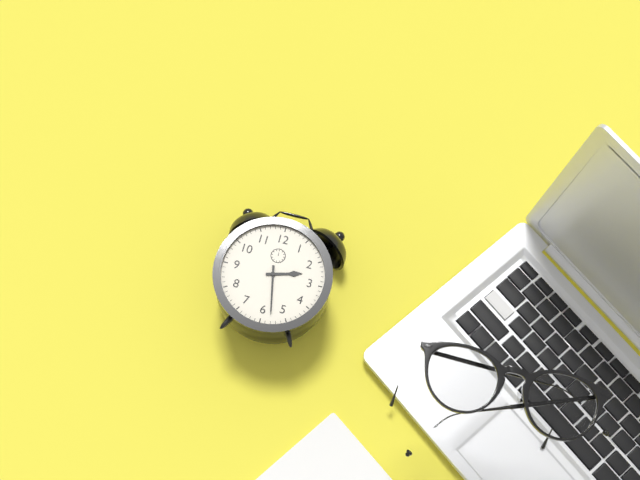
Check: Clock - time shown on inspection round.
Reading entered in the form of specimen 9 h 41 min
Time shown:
2 h 28 min
